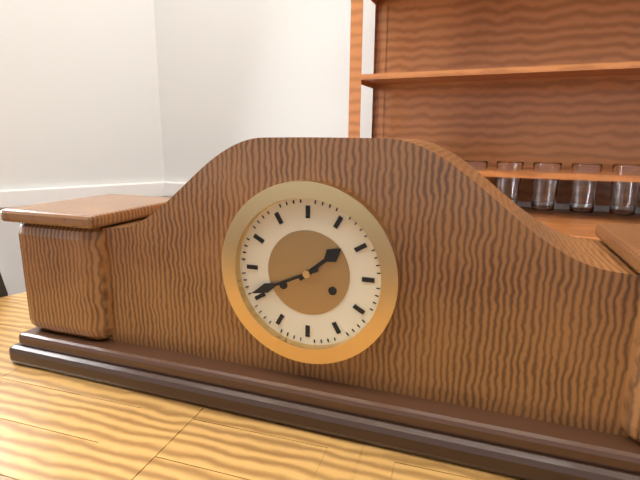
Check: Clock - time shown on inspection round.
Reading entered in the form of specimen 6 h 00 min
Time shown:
1 h 41 min
